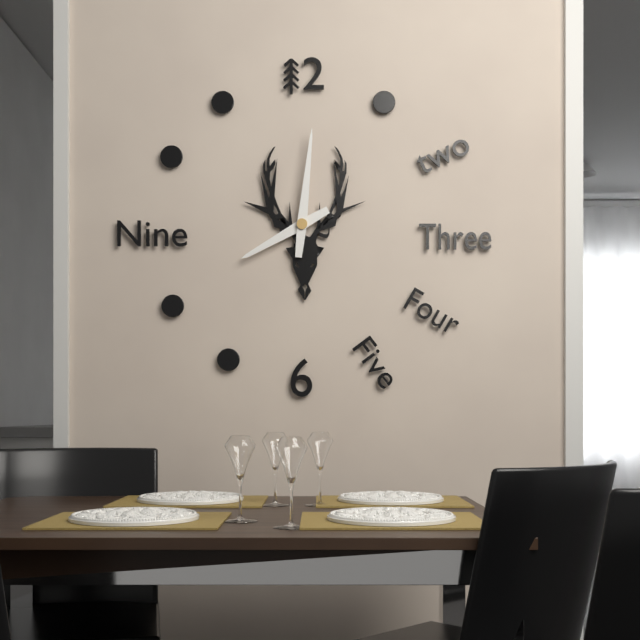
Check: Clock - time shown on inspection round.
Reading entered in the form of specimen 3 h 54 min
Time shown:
8 h 01 min
